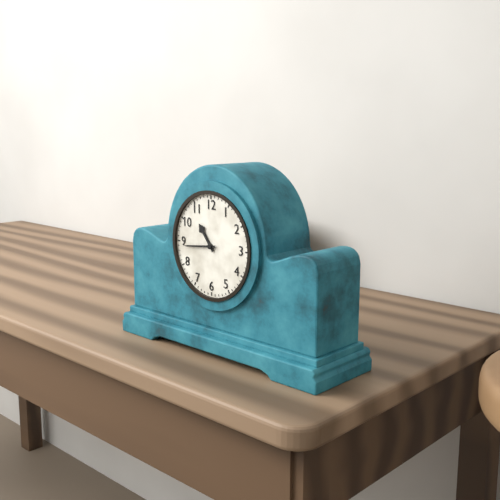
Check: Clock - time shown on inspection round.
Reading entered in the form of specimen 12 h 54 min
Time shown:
10 h 44 min
